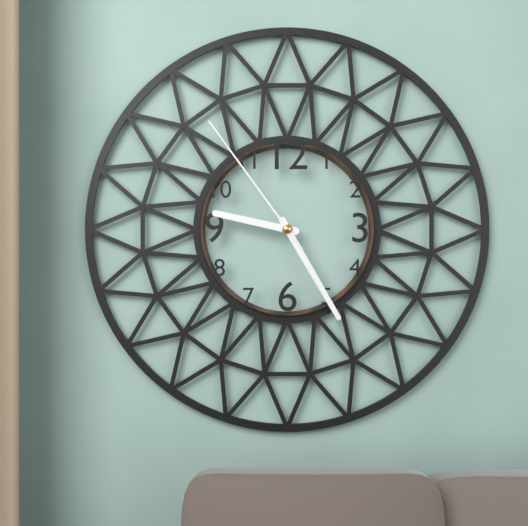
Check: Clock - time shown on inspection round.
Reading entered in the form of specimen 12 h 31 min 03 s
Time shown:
9 h 25 min 54 s
